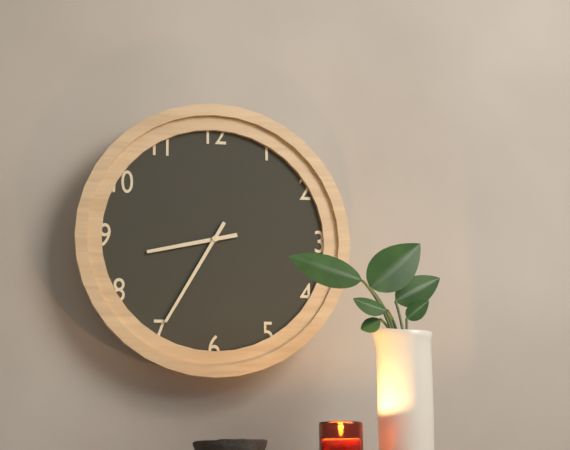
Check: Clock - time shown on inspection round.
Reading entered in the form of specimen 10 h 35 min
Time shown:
8 h 35 min
